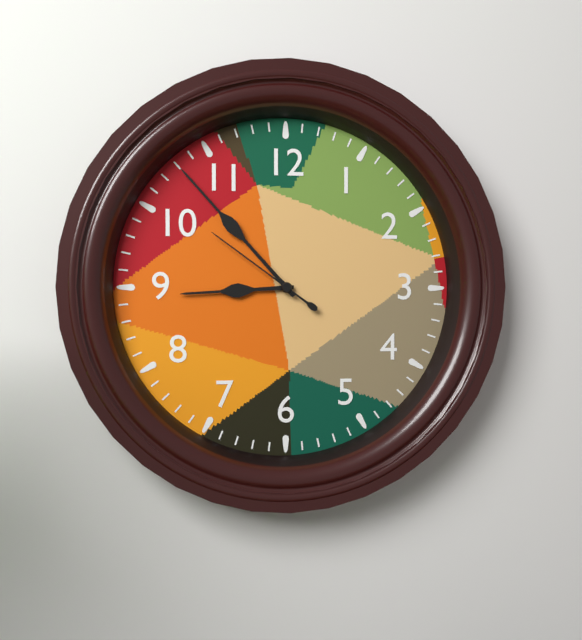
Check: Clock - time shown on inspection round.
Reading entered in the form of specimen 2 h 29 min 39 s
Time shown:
8 h 53 min 51 s
